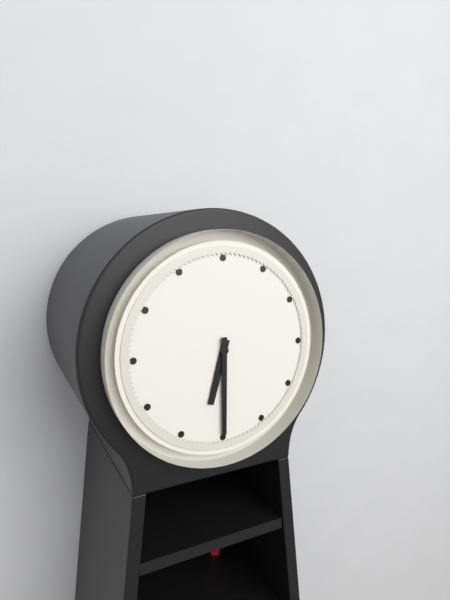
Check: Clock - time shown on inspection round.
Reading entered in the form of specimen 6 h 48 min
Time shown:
6 h 30 min
